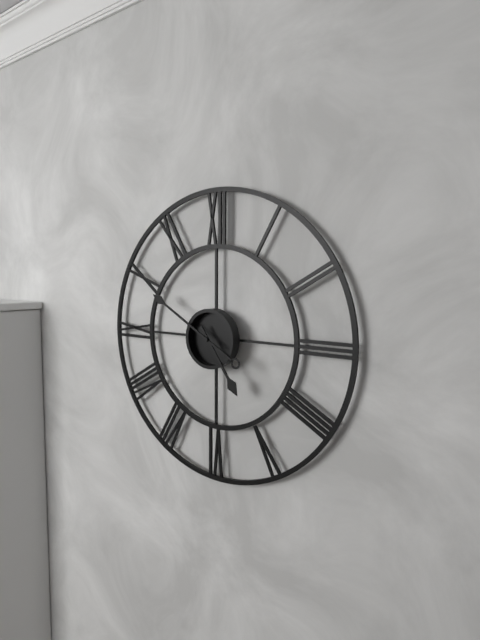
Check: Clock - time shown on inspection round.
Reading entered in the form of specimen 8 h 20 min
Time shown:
4 h 50 min
